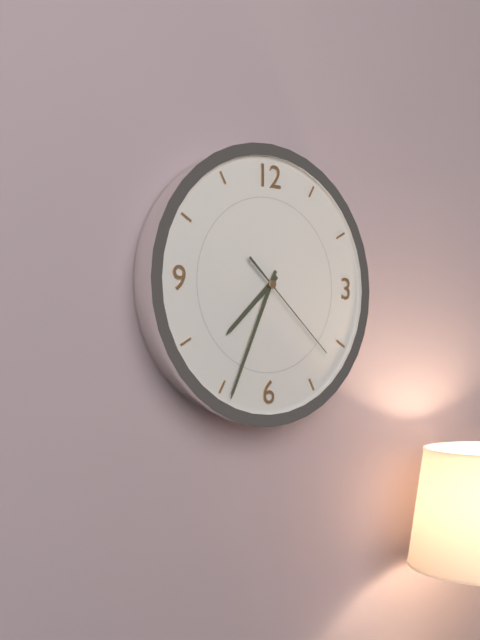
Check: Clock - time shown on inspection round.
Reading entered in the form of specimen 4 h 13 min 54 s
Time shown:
7 h 34 min 22 s
